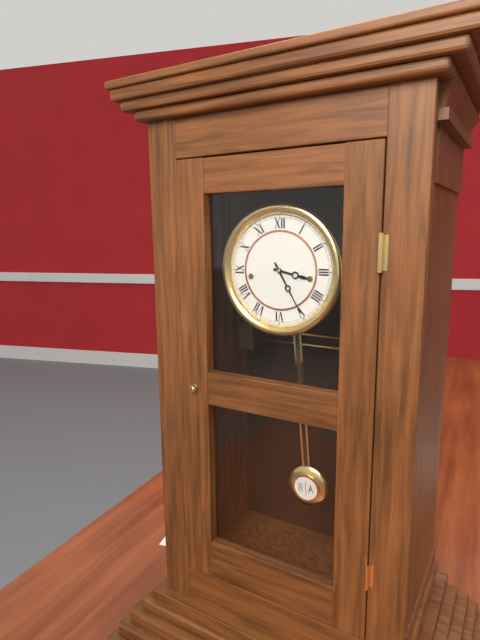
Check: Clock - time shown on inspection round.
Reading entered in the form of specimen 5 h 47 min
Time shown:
3 h 25 min
